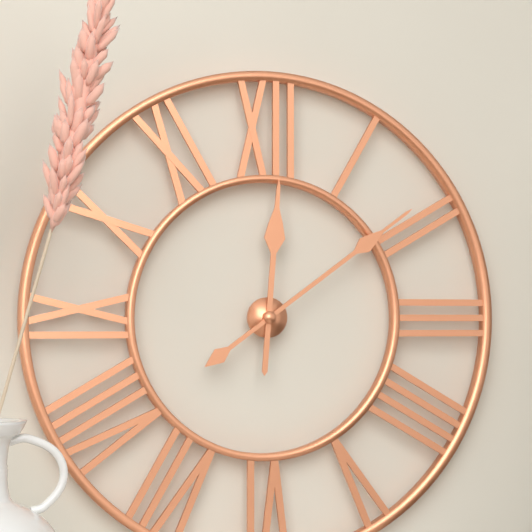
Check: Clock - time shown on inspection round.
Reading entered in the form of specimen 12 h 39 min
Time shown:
12 h 09 min
